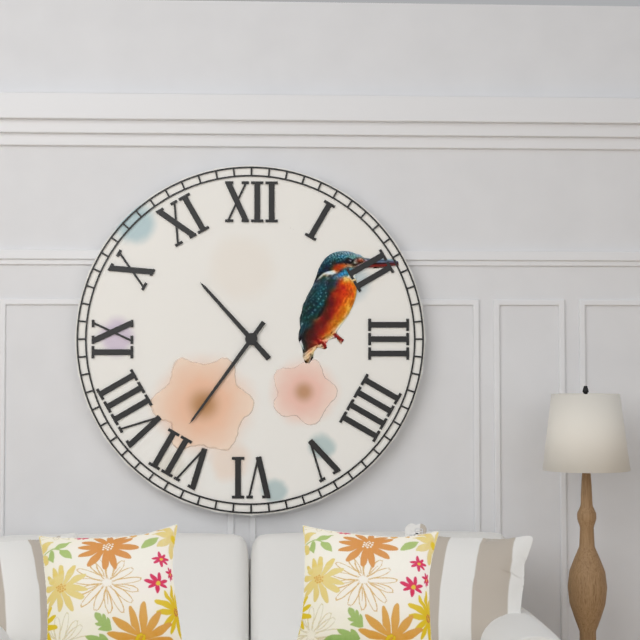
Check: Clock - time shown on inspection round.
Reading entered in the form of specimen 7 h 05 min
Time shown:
10 h 36 min
